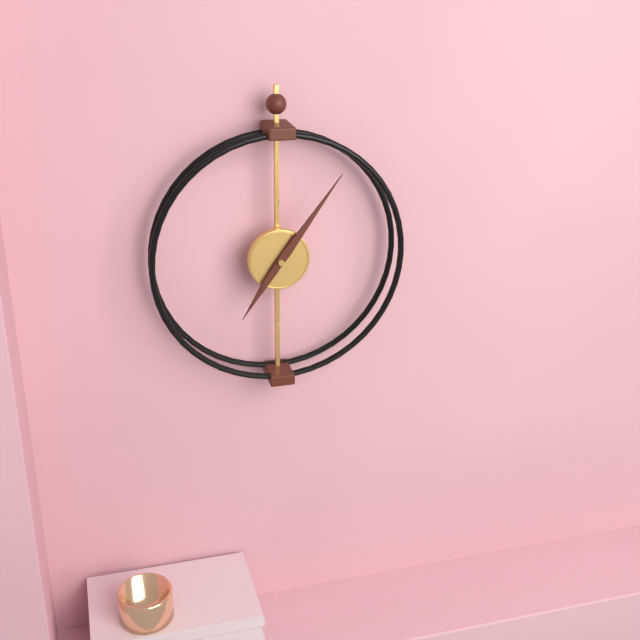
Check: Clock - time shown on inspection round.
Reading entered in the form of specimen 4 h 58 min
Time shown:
7 h 06 min
